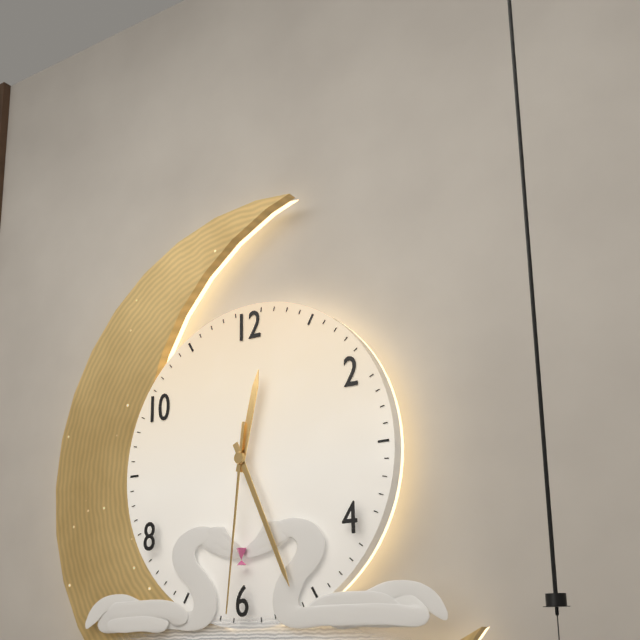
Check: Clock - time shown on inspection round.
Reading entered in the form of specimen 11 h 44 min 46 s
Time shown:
12 h 26 min 31 s
